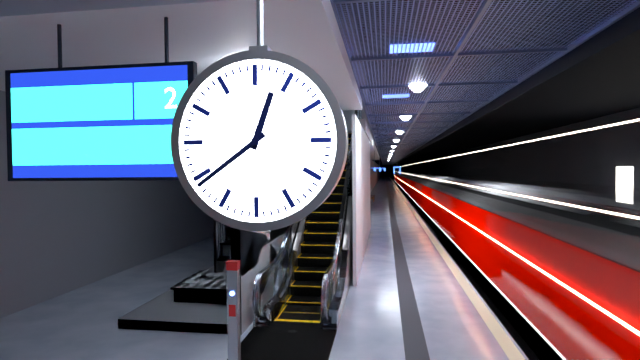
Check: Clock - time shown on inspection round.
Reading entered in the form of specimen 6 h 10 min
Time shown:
12 h 39 min
